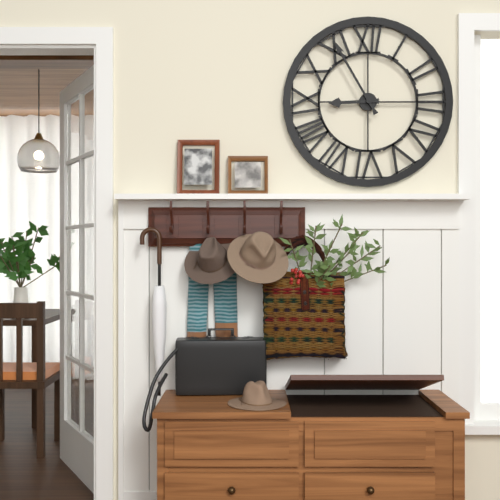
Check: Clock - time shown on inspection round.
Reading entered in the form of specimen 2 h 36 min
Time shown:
8 h 55 min
